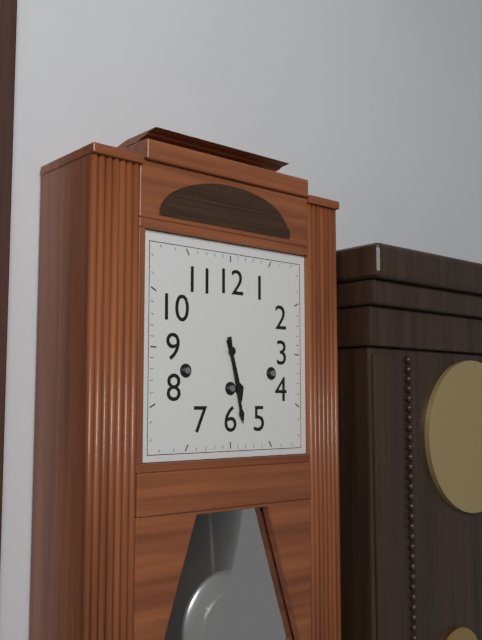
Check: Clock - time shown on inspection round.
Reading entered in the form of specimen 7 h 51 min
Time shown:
5 h 28 min
